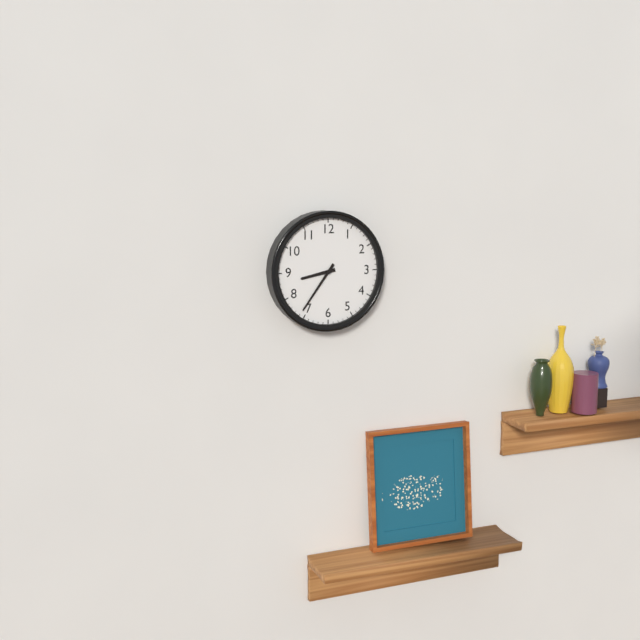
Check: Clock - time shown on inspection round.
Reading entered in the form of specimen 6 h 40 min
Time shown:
8 h 36 min
